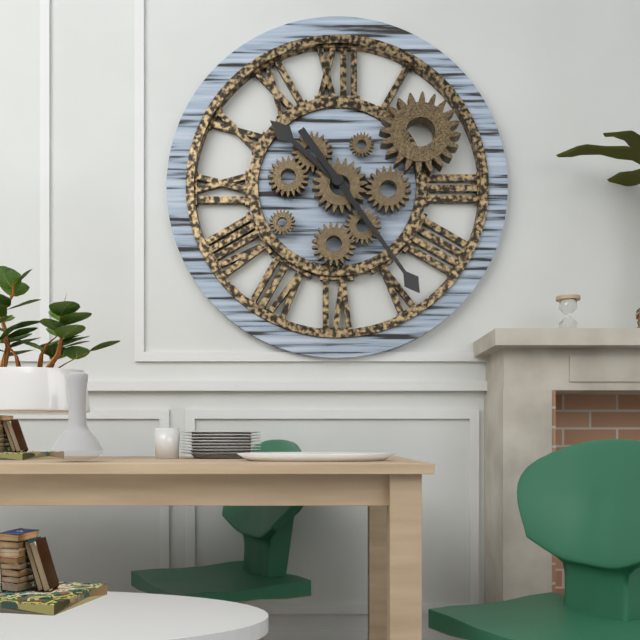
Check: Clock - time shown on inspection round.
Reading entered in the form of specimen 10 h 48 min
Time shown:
10 h 24 min
